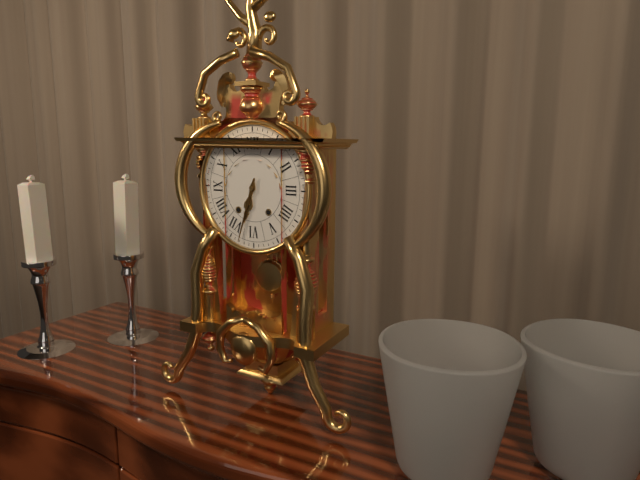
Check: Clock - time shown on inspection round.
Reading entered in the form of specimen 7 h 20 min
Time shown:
6 h 33 min
